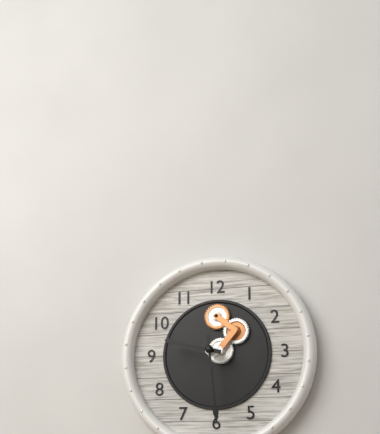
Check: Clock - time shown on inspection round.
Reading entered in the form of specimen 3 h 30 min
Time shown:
9 h 29 min
